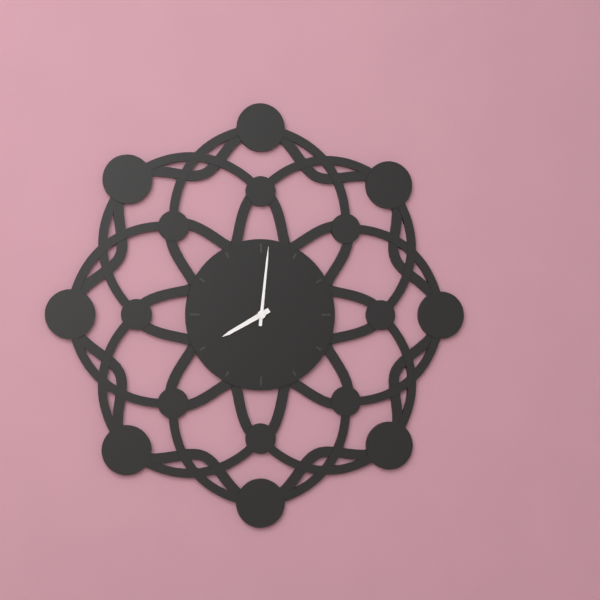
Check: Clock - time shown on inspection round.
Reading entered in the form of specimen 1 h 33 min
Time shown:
8 h 01 min
